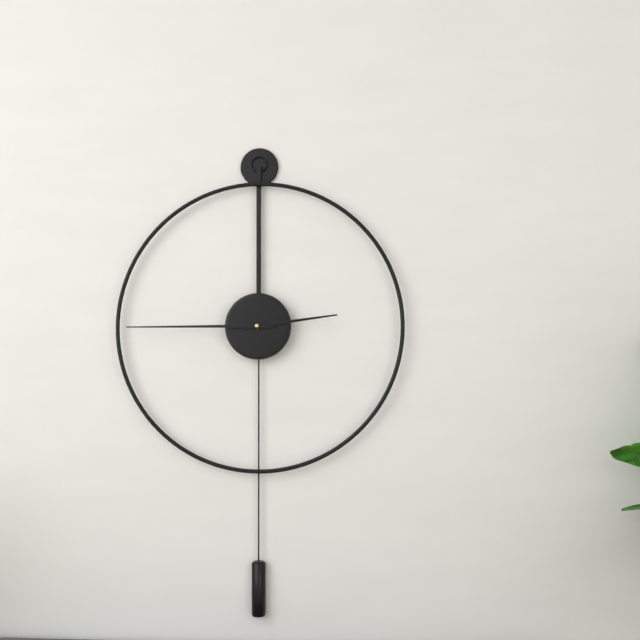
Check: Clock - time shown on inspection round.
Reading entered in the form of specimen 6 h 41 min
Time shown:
2 h 45 min
